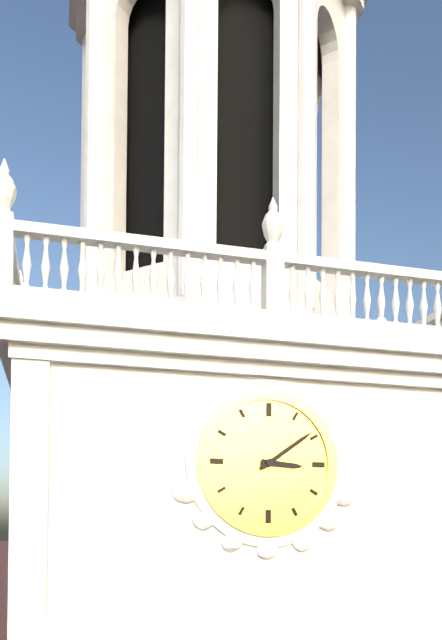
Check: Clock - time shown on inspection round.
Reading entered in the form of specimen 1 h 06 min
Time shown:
3 h 09 min
